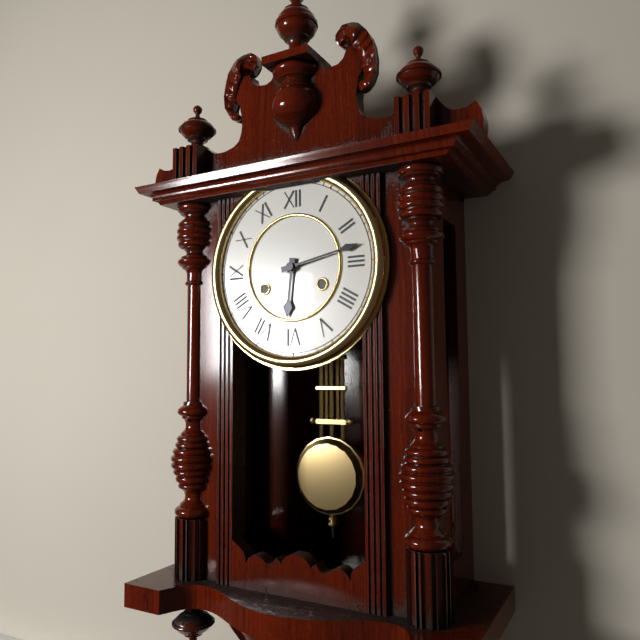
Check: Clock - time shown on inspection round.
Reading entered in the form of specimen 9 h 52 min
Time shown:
6 h 13 min
